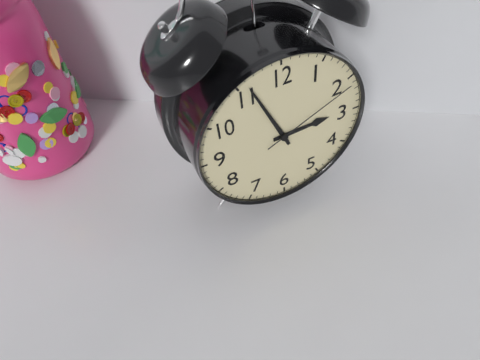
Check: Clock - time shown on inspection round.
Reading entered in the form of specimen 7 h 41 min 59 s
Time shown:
2 h 56 min 11 s
